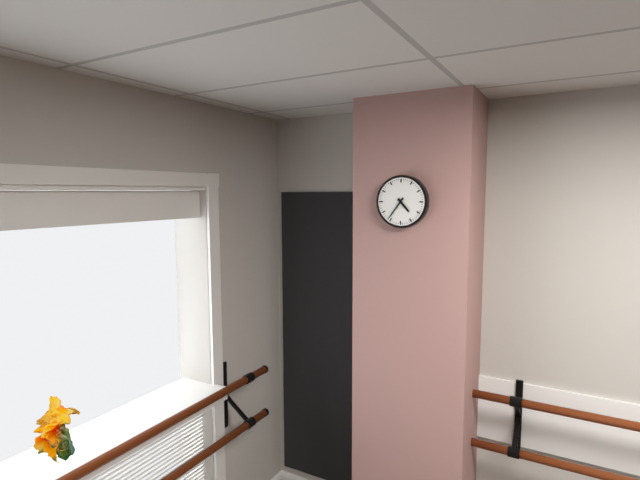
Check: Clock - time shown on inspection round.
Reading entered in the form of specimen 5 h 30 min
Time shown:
4 h 36 min
